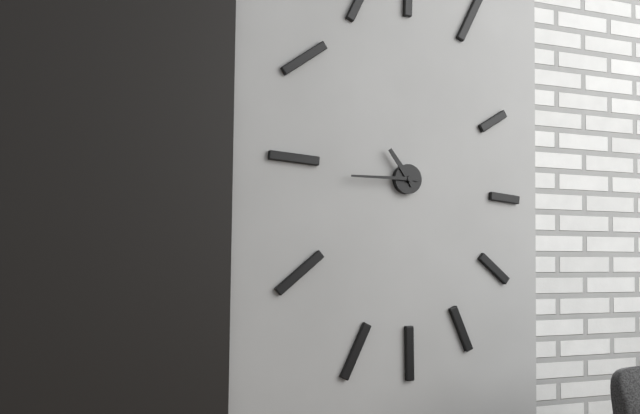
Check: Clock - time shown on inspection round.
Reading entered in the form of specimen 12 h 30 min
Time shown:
10 h 45 min
